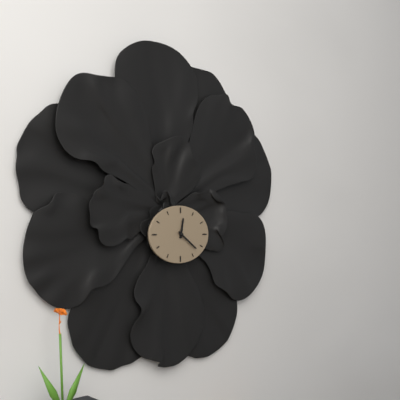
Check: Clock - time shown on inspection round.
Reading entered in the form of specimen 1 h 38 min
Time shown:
12 h 21 min
